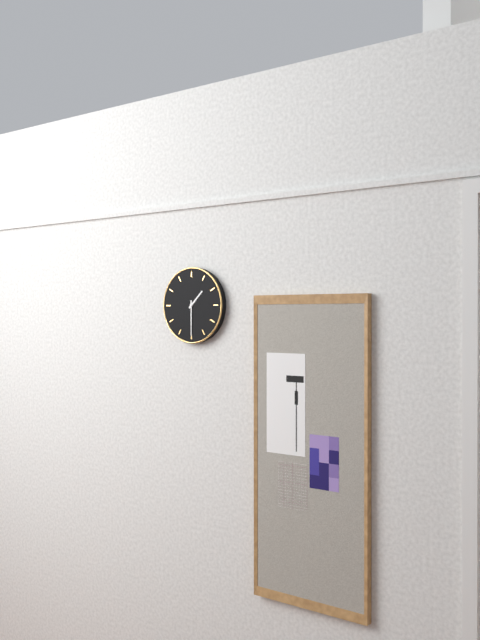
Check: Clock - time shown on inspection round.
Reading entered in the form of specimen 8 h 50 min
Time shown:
1 h 30 min
